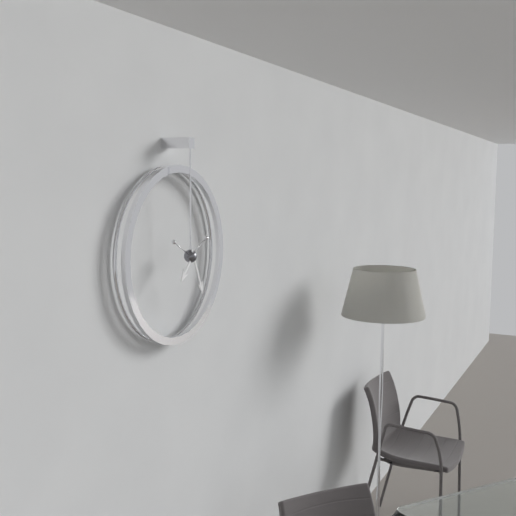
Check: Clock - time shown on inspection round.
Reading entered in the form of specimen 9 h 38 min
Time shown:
7 h 26 min
